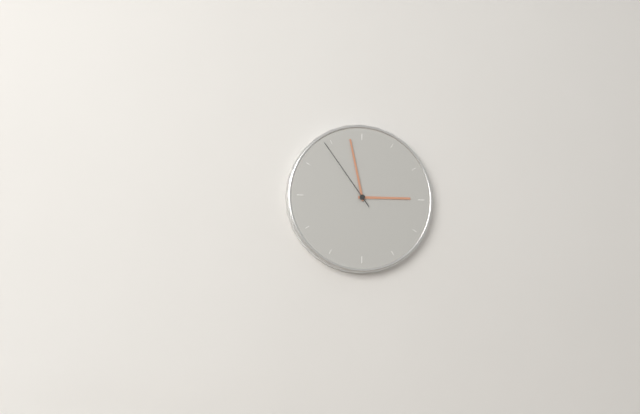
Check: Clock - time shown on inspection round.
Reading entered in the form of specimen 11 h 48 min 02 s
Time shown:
2 h 58 min 54 s
